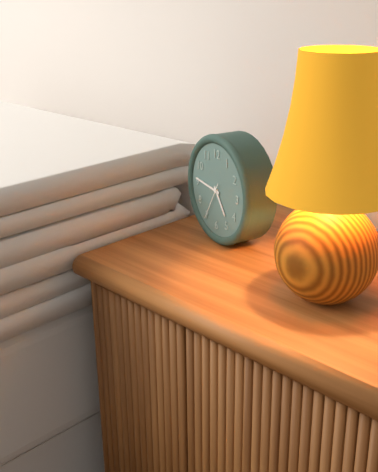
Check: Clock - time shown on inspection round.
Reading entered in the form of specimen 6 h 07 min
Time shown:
4 h 46 min
